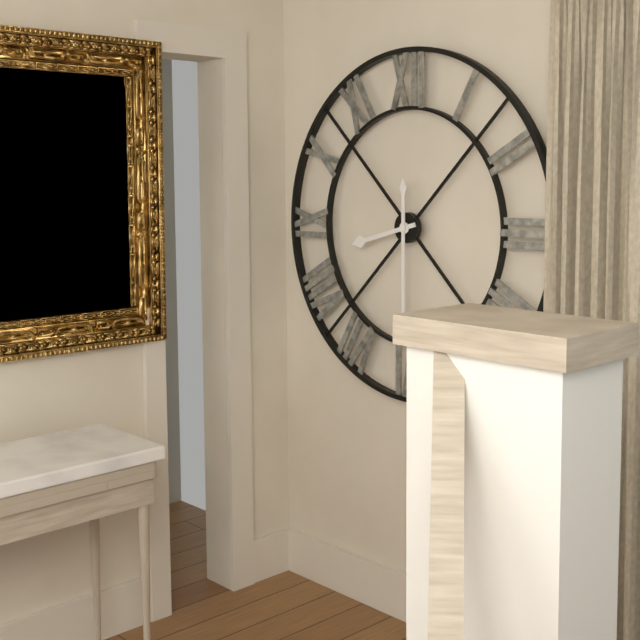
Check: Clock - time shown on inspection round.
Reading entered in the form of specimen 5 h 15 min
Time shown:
8 h 30 min
